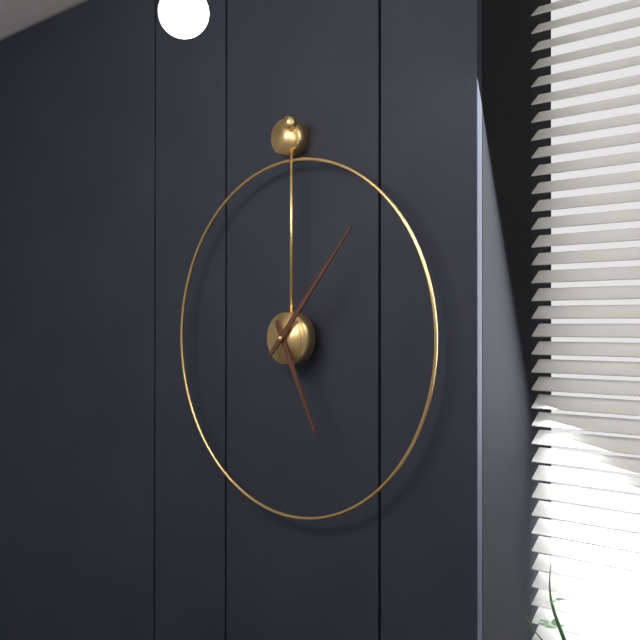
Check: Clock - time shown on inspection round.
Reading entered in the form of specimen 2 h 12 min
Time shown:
5 h 07 min
